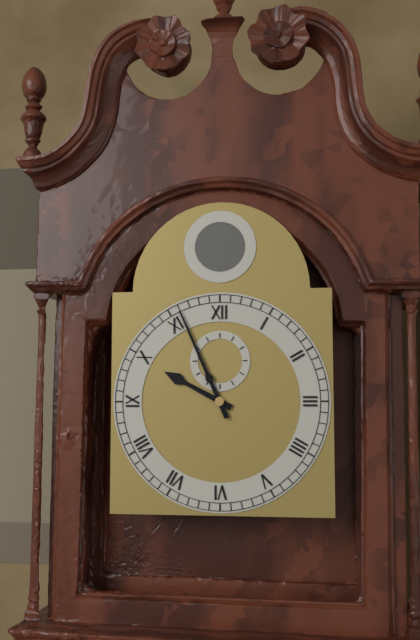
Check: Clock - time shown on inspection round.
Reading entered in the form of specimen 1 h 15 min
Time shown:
9 h 56 min
